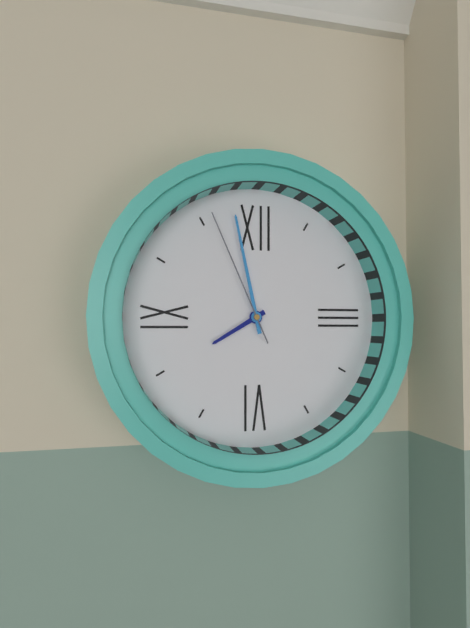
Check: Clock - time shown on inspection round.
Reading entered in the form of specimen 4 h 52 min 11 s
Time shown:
7 h 58 min 56 s
